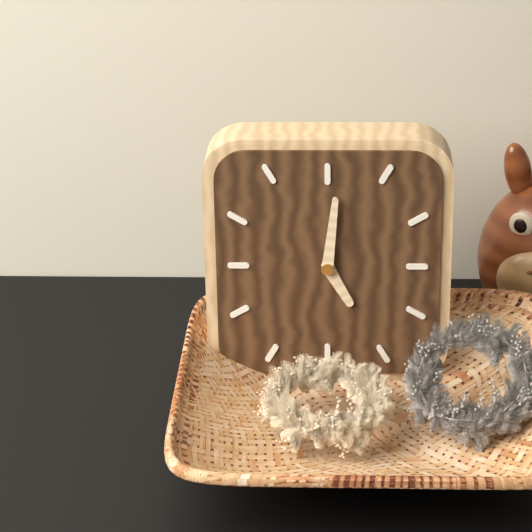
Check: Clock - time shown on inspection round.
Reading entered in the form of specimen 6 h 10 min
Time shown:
5 h 01 min
